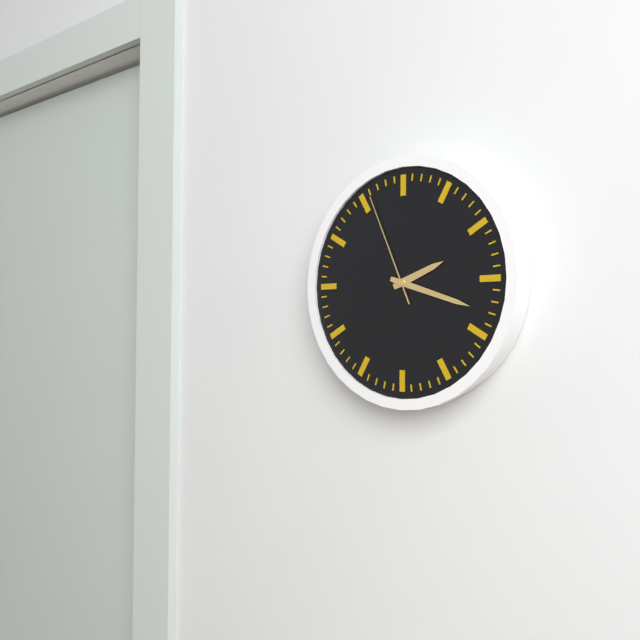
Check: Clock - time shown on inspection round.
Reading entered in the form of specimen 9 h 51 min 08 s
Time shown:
2 h 18 min 56 s
